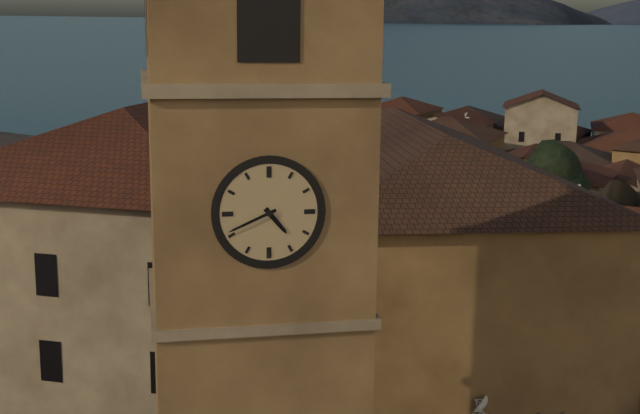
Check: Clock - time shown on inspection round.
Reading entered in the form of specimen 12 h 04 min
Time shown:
4 h 41 min
